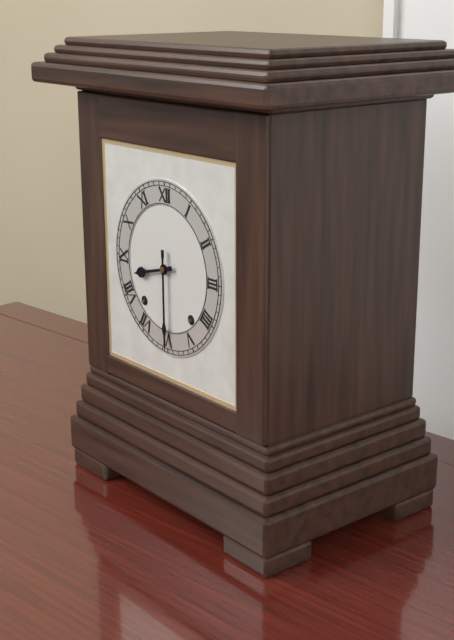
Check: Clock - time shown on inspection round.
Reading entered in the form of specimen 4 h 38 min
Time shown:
8 h 30 min
